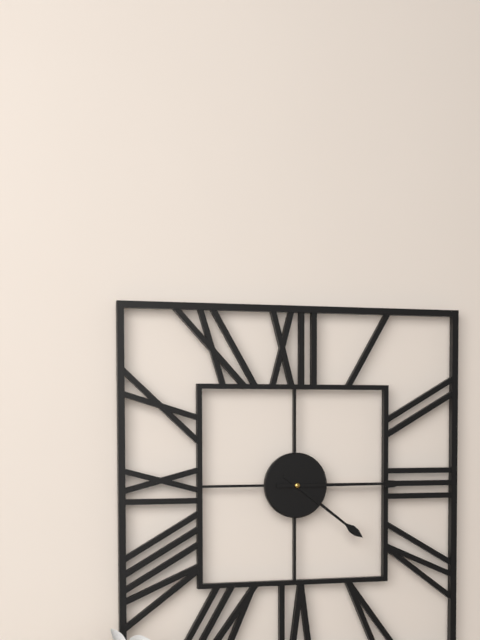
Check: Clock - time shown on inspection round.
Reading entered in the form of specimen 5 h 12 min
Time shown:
4 h 15 min
